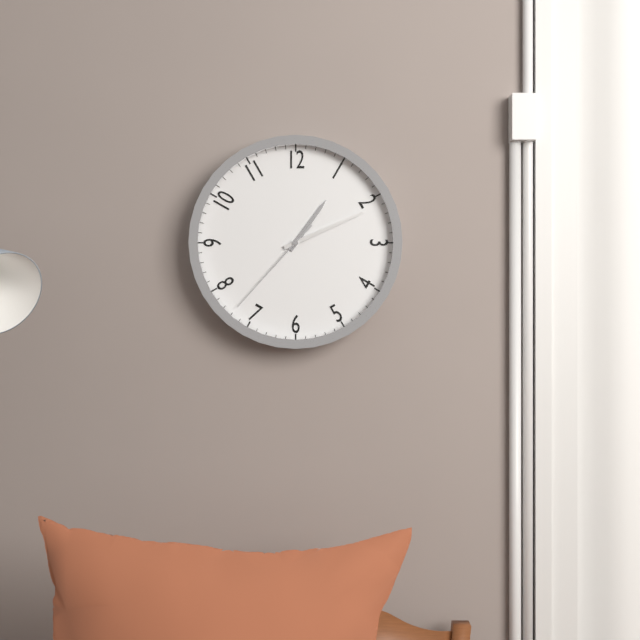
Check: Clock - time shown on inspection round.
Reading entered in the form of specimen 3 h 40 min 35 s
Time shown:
1 h 11 min 37 s
